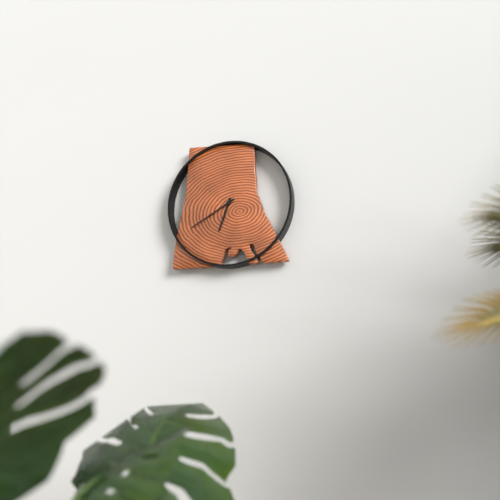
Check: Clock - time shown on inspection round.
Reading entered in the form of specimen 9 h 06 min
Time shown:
6 h 40 min
